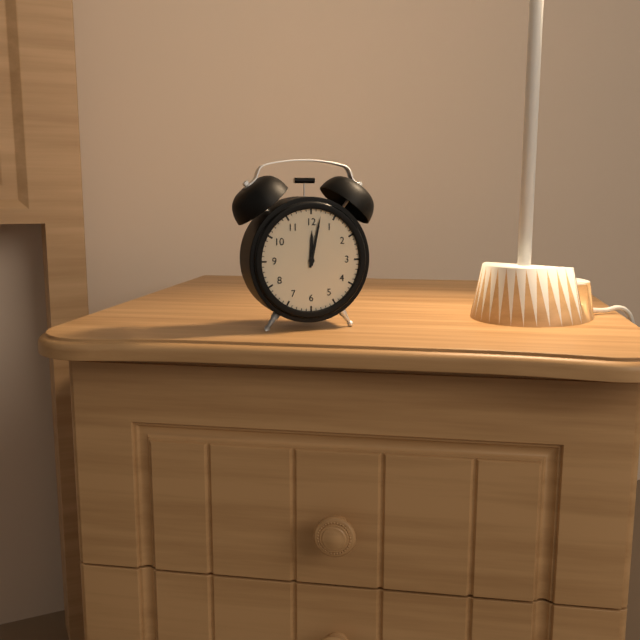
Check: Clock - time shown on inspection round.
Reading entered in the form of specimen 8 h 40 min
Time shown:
12 h 02 min
